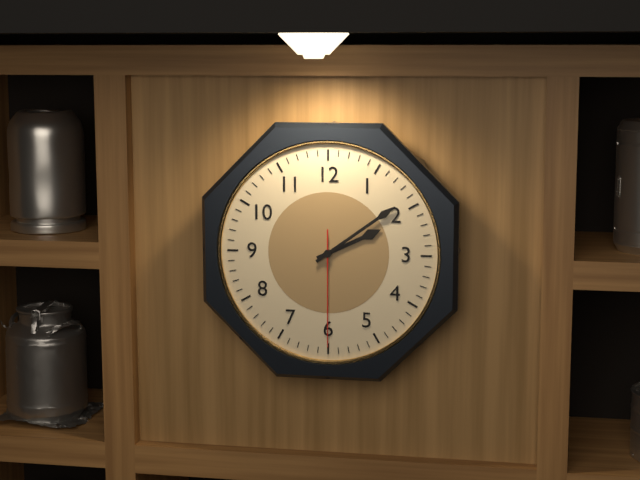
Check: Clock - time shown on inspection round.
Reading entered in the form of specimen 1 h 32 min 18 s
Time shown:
2 h 09 min 30 s
